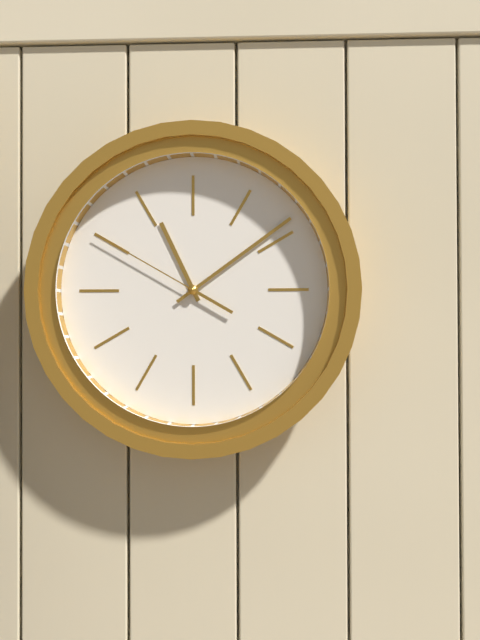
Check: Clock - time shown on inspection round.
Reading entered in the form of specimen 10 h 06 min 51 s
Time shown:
11 h 09 min 50 s
